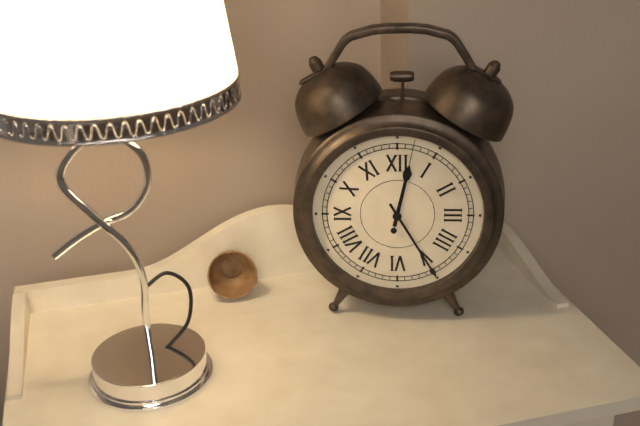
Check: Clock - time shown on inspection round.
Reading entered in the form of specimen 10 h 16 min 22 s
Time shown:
12 h 25 min 02 s
